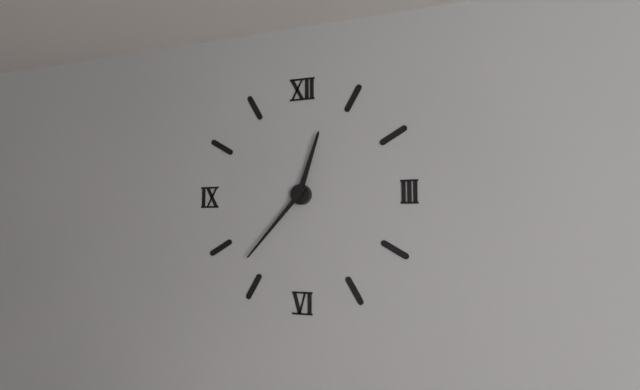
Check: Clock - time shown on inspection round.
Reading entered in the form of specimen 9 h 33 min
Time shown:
12 h 37 min
